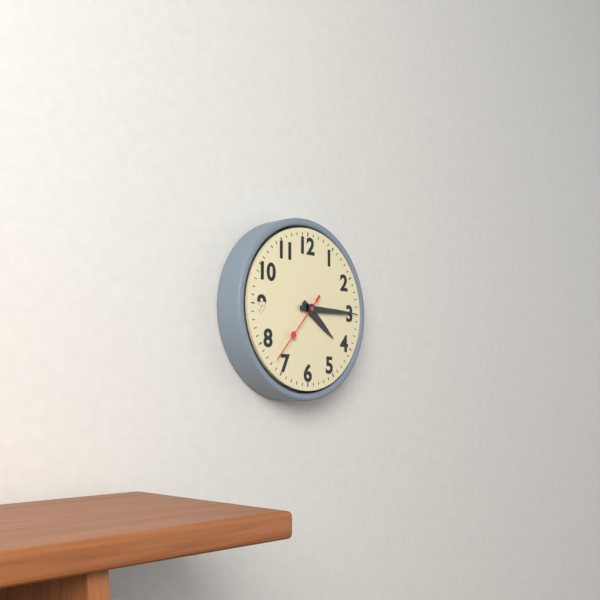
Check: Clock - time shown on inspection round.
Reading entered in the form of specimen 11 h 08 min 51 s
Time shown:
4 h 15 min 37 s
